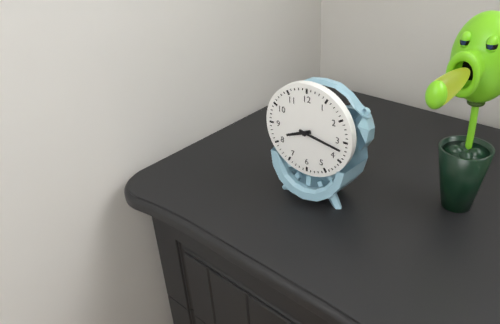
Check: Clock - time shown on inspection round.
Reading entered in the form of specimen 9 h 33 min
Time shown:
8 h 17 min
